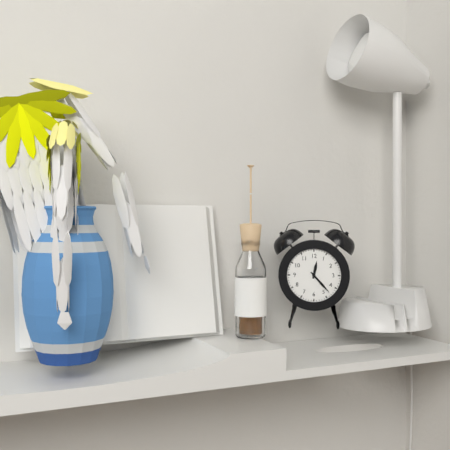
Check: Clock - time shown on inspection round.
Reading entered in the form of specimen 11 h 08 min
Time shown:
12 h 23 min
